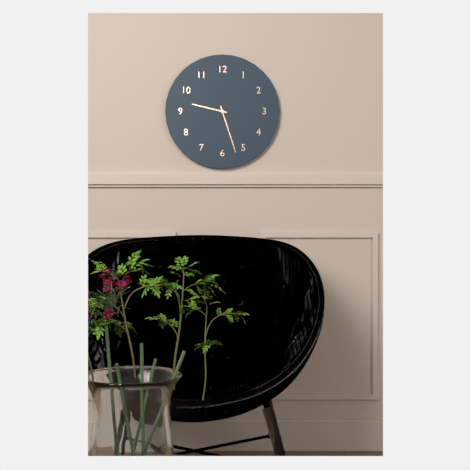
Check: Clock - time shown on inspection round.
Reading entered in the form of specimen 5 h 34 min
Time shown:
9 h 27 min
